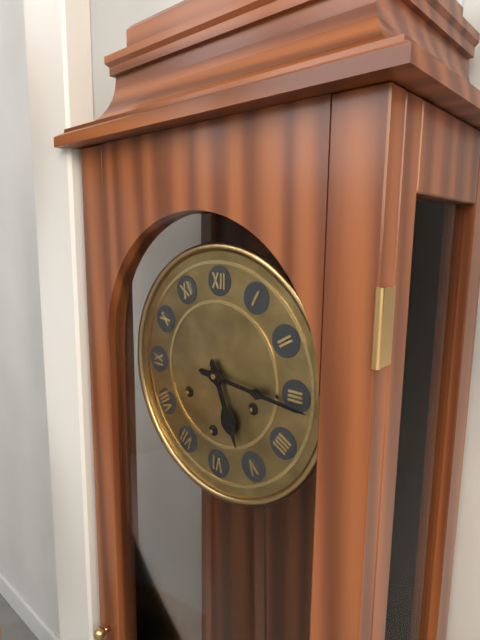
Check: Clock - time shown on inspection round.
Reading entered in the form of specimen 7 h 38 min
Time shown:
5 h 16 min
